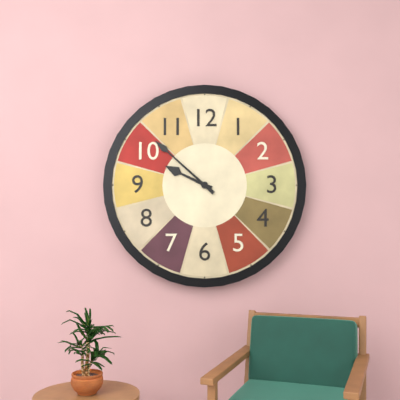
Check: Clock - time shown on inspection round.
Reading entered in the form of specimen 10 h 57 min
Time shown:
9 h 52 min
